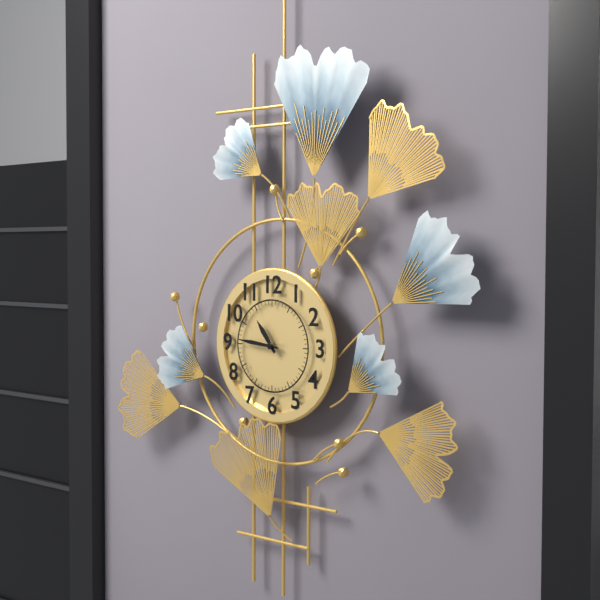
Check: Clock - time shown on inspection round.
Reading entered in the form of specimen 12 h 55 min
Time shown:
10 h 46 min
